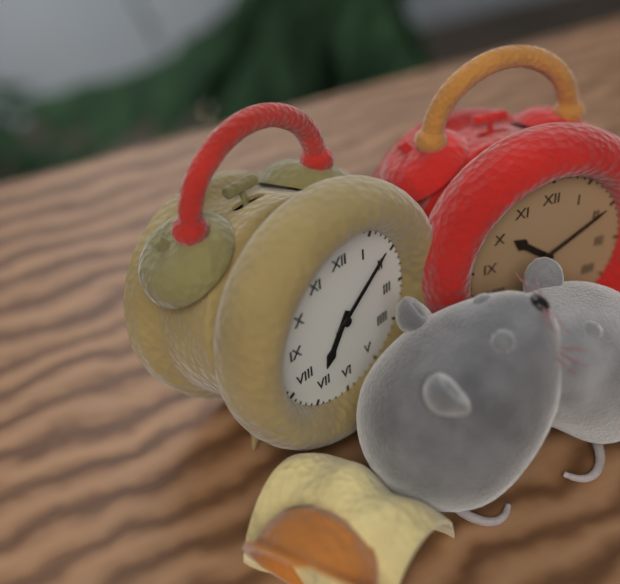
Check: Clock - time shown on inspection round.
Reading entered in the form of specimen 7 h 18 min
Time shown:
7 h 09 min
